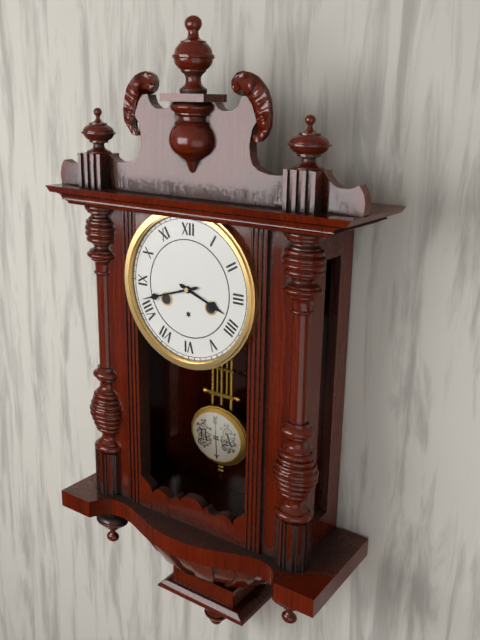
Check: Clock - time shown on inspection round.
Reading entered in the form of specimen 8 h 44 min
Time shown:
3 h 42 min
